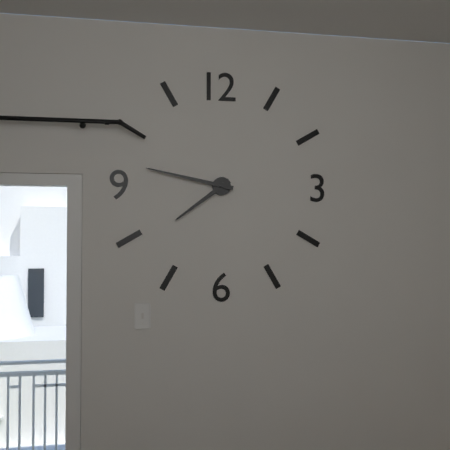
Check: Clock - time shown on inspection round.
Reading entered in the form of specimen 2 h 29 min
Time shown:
7 h 47 min
